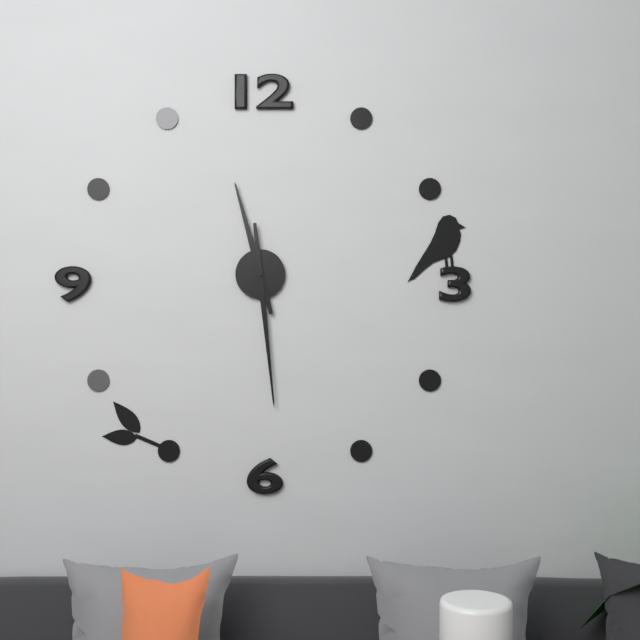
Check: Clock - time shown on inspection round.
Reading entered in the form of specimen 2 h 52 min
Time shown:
11 h 29 min
